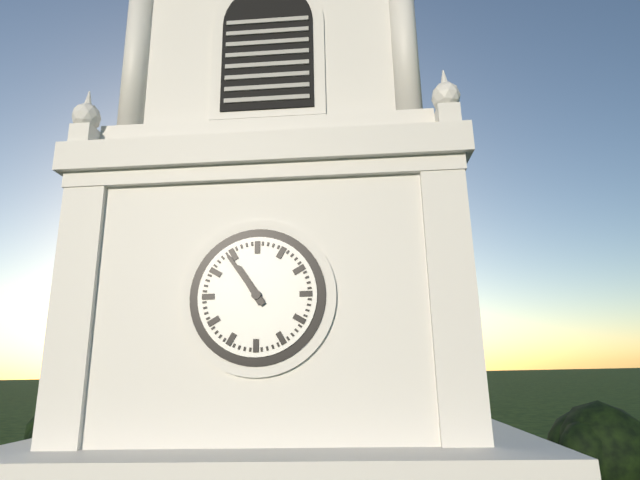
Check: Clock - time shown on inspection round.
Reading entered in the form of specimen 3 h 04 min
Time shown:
10 h 54 min
